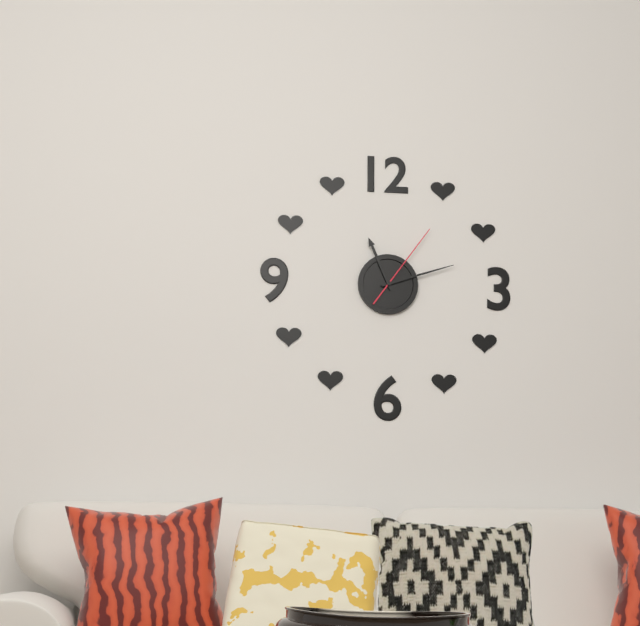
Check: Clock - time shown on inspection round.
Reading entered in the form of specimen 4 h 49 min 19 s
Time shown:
11 h 12 min 06 s
